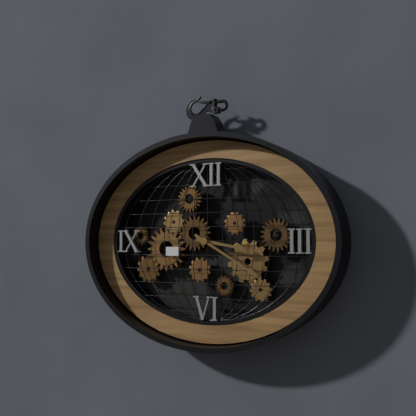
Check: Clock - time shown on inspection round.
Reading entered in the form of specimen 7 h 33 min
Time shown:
3 h 20 min
